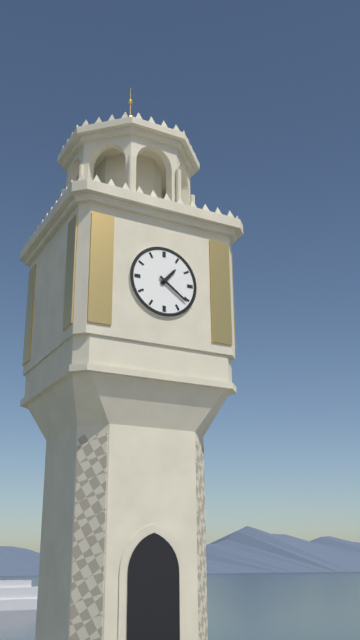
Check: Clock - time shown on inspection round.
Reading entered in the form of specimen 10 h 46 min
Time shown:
1 h 21 min
